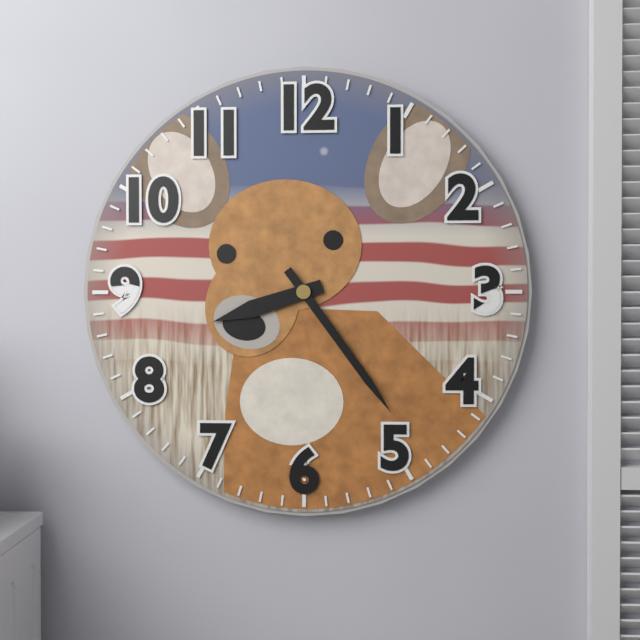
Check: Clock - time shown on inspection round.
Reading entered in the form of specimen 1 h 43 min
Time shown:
8 h 24 min
